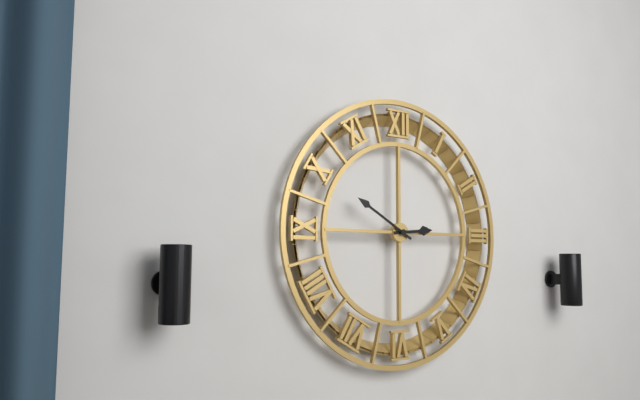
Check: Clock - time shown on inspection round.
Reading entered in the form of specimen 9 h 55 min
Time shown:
2 h 50 min
